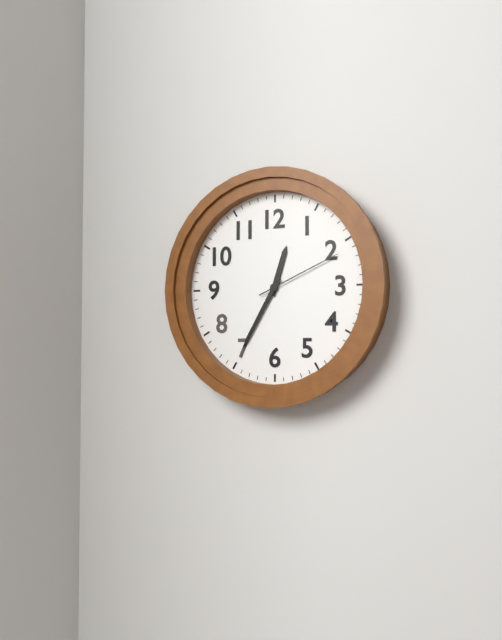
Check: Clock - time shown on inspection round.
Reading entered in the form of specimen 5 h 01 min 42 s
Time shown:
12 h 35 min 11 s
